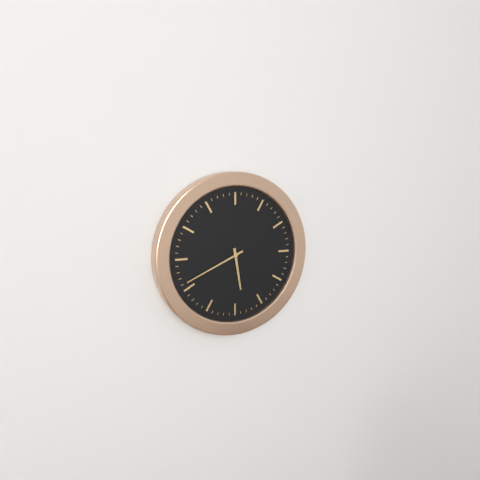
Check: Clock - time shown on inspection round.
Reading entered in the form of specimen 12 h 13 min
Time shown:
5 h 41 min
